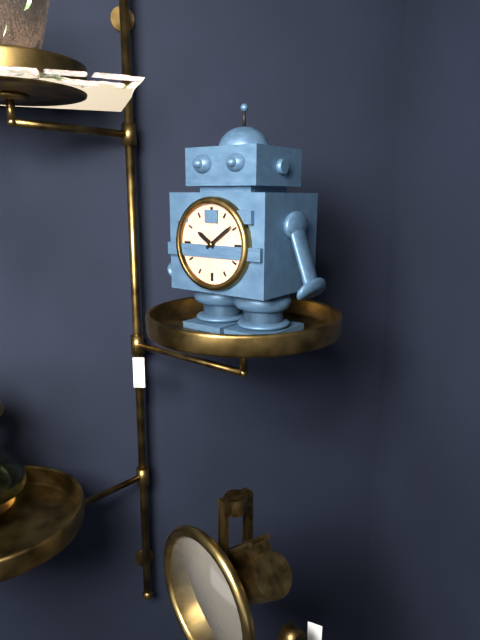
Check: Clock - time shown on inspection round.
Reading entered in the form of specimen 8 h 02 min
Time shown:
10 h 09 min
